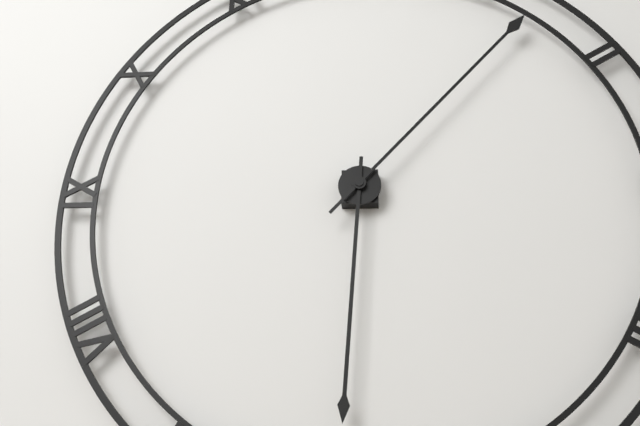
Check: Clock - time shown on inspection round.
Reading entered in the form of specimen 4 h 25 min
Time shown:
6 h 07 min
